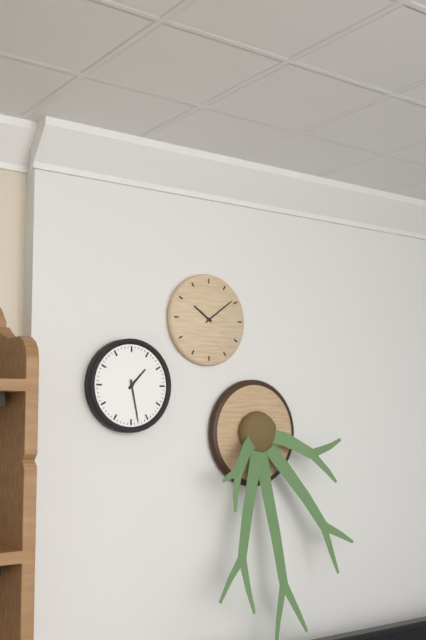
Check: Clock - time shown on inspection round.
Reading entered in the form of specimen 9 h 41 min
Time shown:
1 h 28 min
